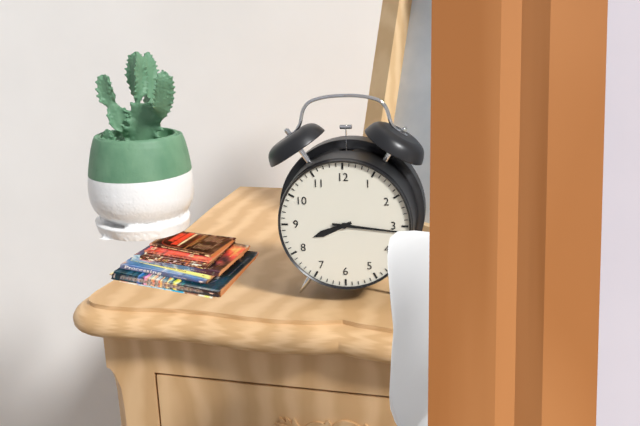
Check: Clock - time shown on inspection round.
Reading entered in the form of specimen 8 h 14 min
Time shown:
8 h 16 min
